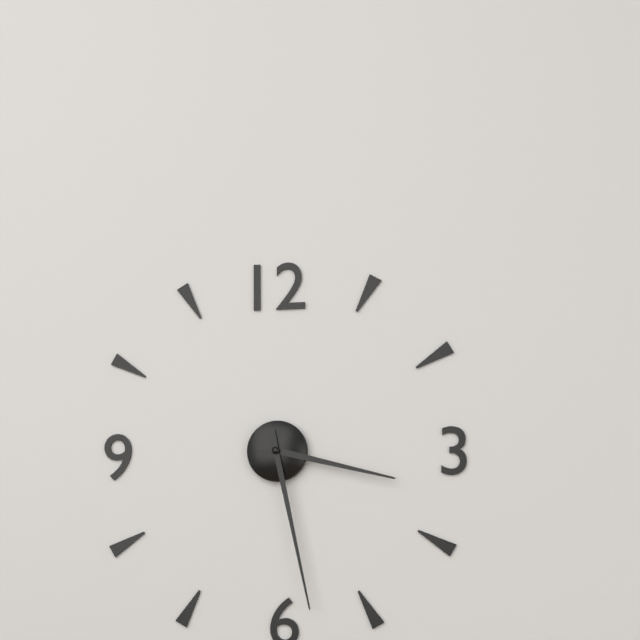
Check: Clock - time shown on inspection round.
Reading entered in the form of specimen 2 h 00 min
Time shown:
3 h 28 min
